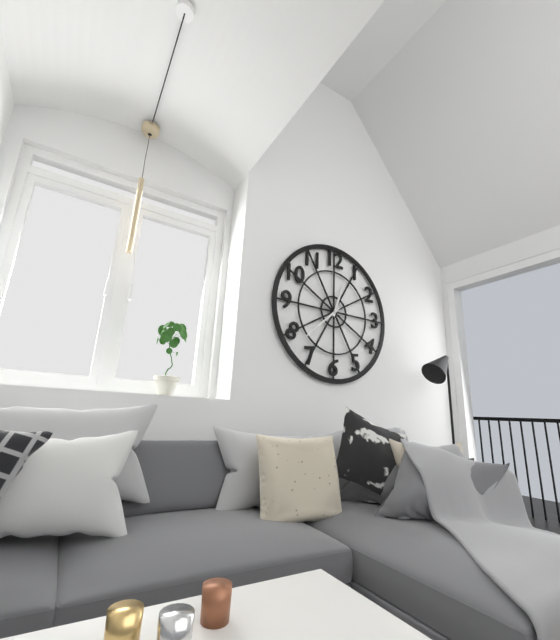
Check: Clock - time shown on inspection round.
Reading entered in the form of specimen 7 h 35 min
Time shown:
12 h 38 min
